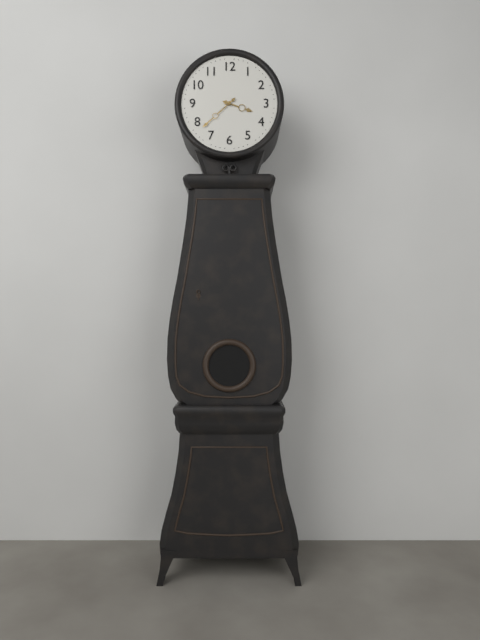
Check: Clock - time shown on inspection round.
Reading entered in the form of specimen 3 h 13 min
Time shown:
3 h 38 min
